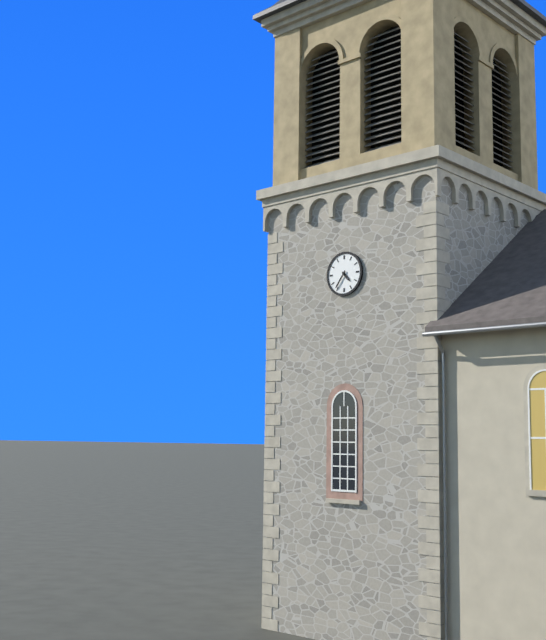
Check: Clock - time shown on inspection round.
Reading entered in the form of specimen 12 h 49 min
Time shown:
4 h 36 min
